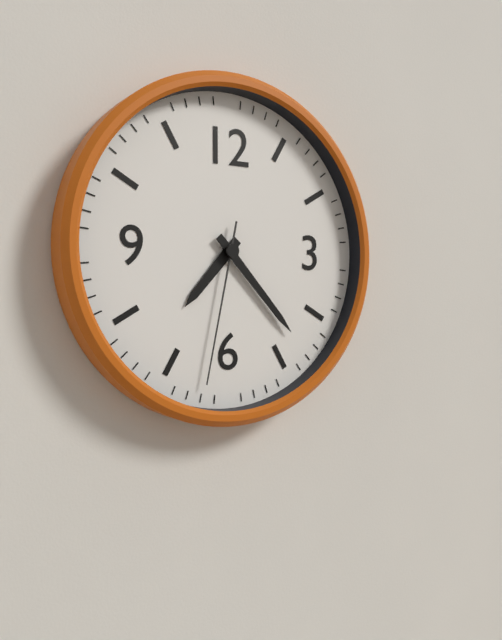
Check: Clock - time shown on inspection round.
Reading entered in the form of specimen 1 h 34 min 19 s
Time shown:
7 h 23 min 32 s
